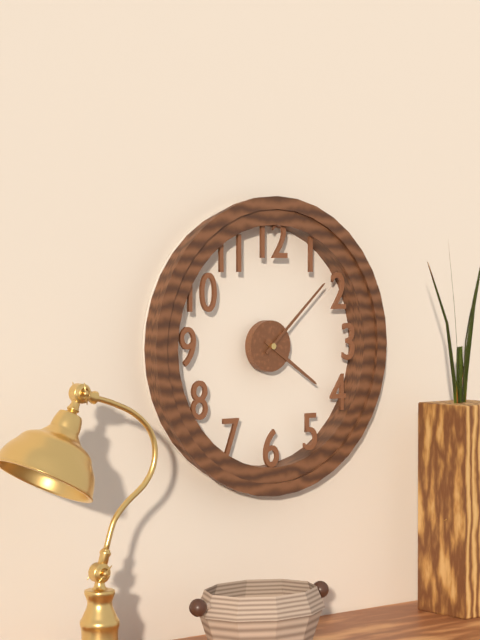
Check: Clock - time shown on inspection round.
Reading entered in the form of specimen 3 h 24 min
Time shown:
4 h 08 min
